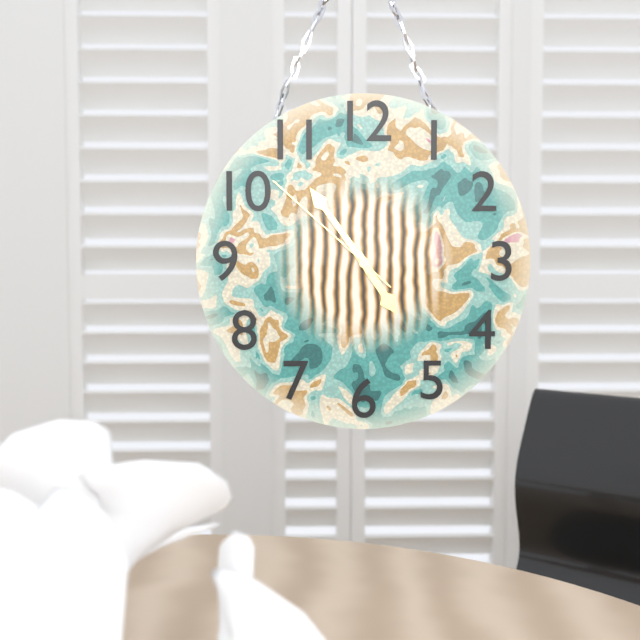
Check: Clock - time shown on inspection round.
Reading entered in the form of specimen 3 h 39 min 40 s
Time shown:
4 h 54 min 52 s
